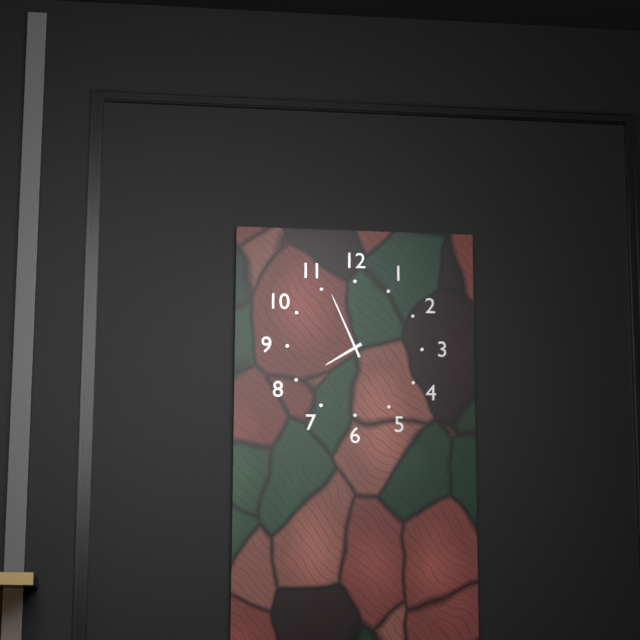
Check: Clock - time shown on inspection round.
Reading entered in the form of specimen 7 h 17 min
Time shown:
7 h 56 min
